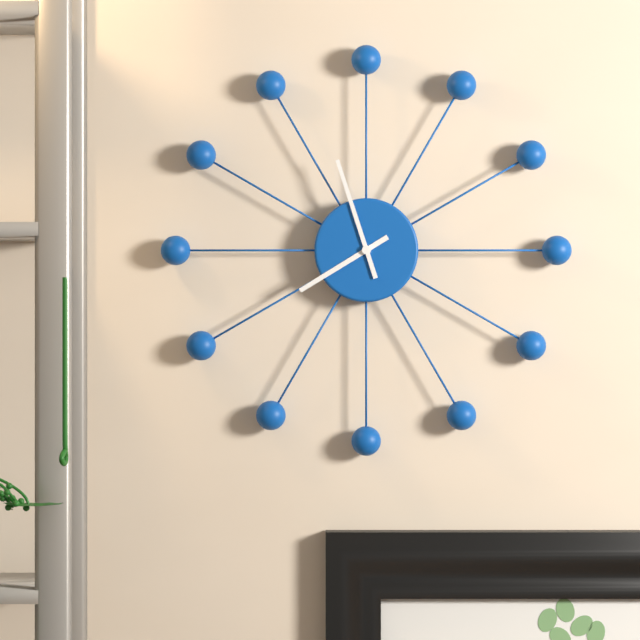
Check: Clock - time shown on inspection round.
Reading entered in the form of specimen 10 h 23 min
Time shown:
7 h 57 min
